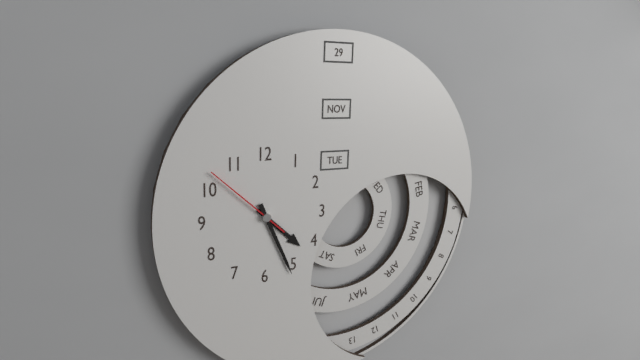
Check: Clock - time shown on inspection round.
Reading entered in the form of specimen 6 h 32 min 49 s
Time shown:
4 h 26 min 52 s
